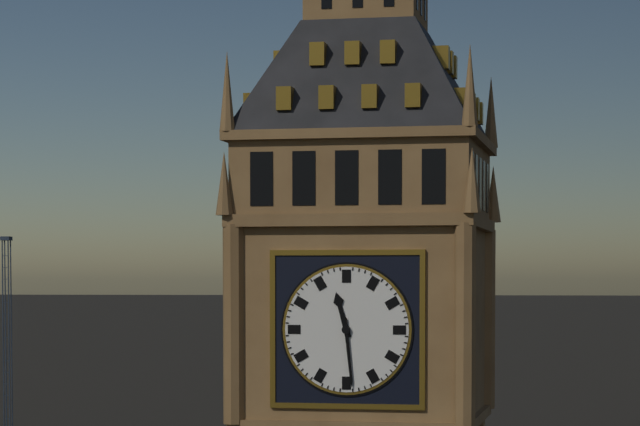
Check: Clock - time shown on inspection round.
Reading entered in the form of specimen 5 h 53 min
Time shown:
11 h 29 min
